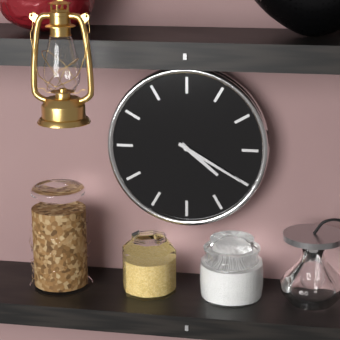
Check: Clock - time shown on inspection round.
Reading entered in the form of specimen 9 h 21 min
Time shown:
4 h 20 min
